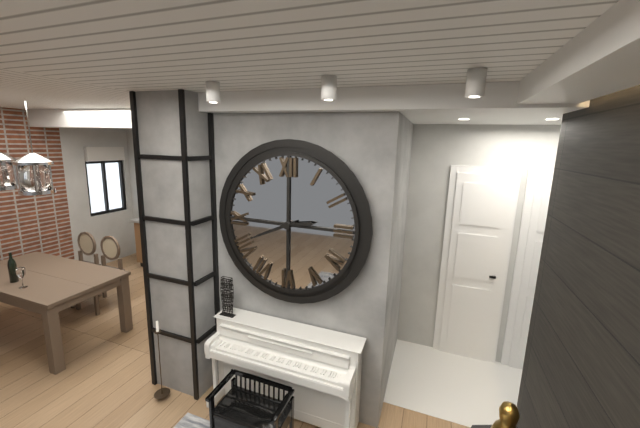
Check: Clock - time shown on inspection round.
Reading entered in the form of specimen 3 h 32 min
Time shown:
2 h 41 min
